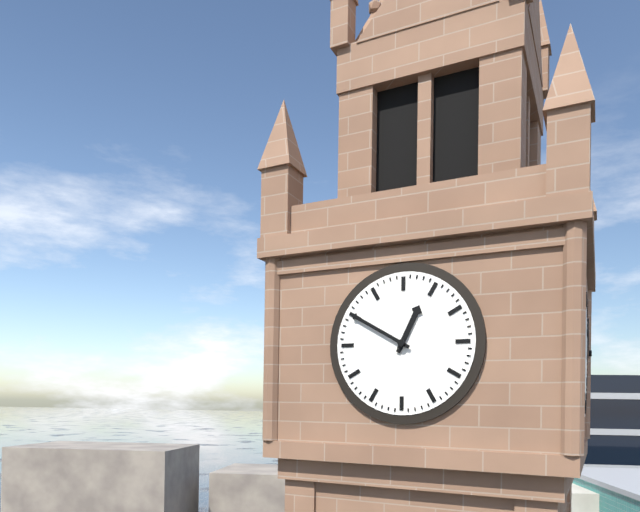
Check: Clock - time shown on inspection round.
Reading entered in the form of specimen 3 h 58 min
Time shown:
12 h 50 min
